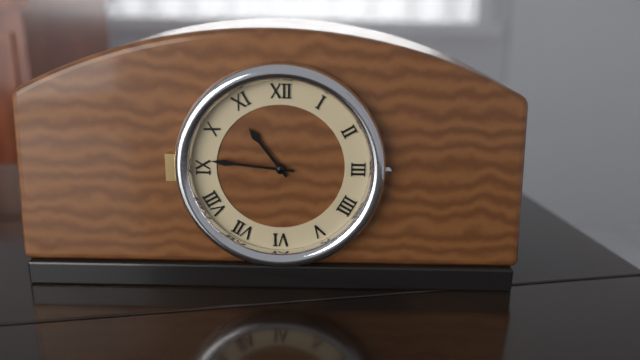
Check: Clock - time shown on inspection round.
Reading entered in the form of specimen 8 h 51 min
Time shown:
10 h 46 min
